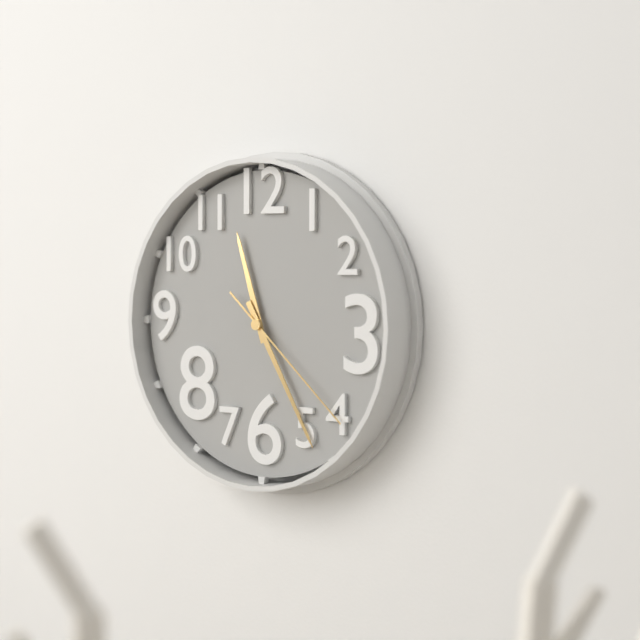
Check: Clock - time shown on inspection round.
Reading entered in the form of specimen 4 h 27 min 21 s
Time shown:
11 h 25 min 22 s
